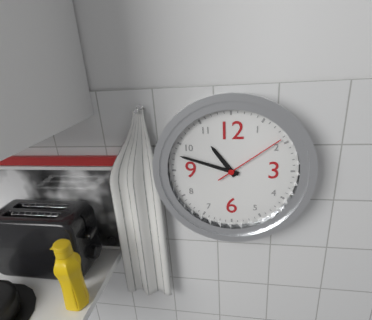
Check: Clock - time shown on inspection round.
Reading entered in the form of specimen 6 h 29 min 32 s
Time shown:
10 h 48 min 09 s
